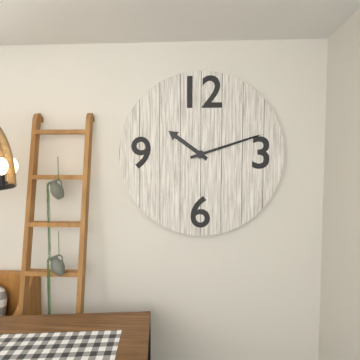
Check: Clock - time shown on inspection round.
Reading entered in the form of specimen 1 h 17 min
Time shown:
10 h 12 min
